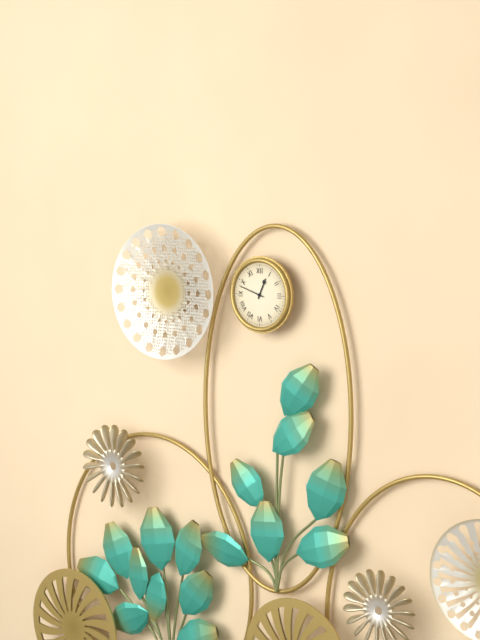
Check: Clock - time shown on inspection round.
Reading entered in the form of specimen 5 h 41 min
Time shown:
12 h 48 min
